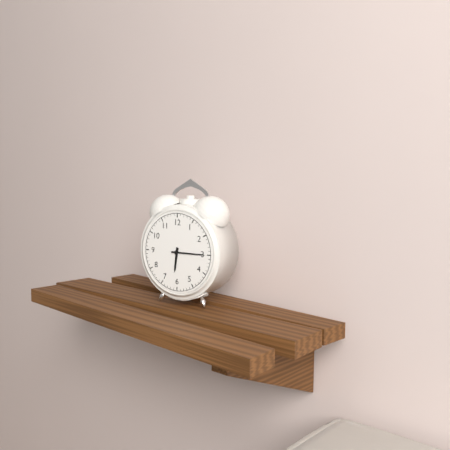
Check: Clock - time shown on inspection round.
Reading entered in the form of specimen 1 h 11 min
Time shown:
6 h 15 min
